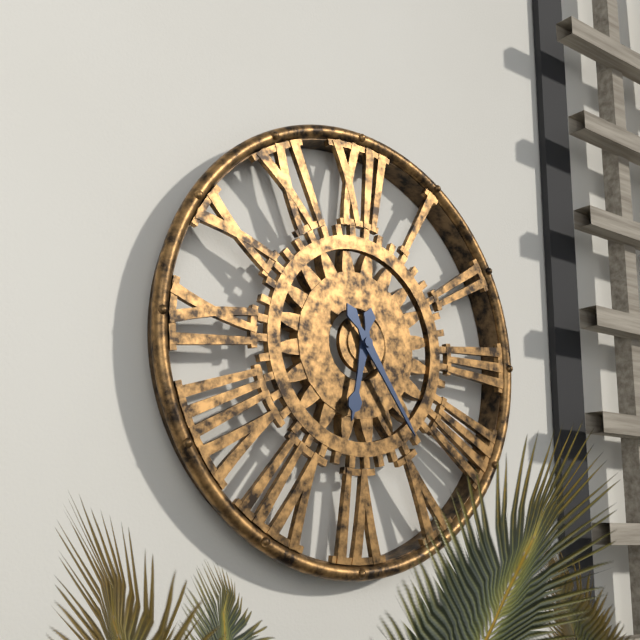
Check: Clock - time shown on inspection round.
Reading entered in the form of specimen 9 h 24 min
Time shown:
6 h 24 min
